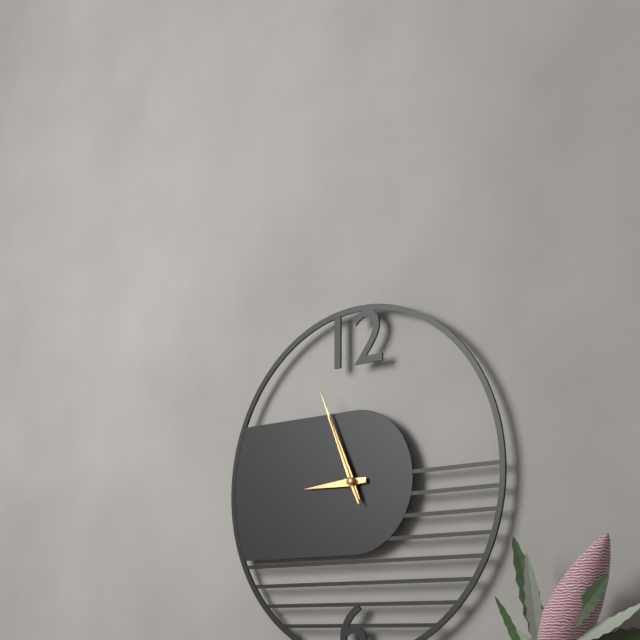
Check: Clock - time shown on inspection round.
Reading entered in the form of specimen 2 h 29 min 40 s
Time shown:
8 h 56 min 56 s
